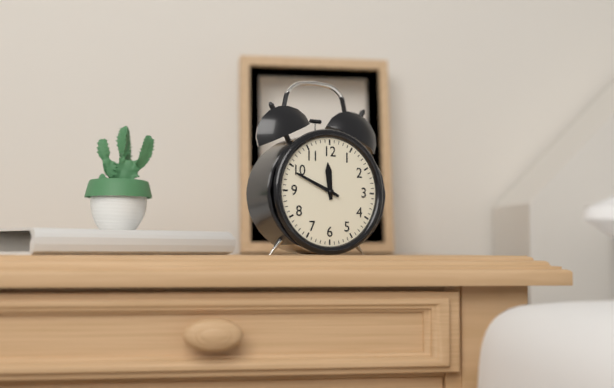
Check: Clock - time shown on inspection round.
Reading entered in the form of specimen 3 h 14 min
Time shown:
11 h 49 min
